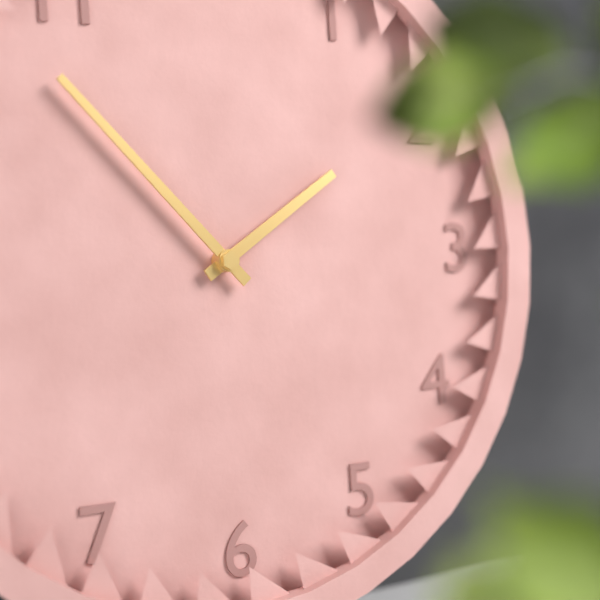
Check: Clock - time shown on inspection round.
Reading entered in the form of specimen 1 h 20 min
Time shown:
1 h 53 min
